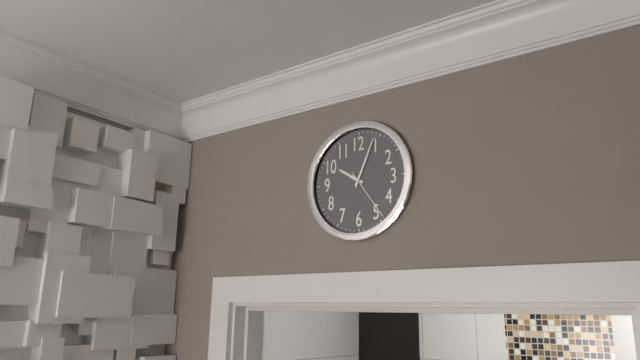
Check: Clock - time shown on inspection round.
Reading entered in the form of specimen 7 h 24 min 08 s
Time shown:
10 h 04 min 24 s
